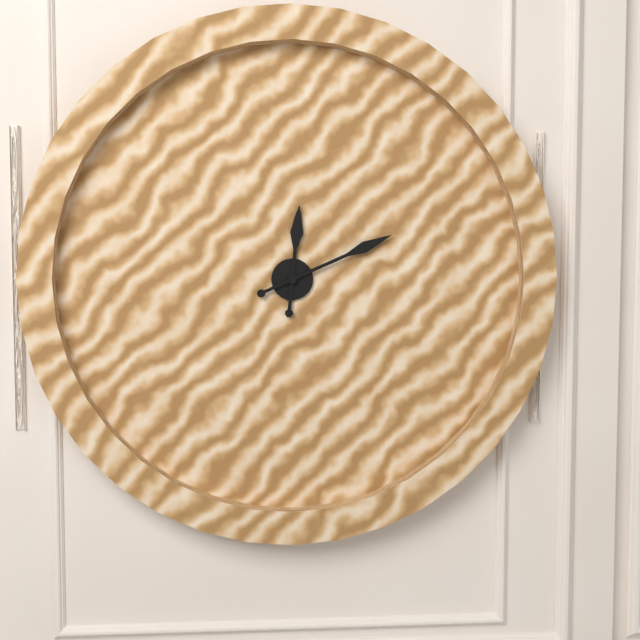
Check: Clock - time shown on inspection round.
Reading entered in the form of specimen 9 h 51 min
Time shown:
12 h 11 min
